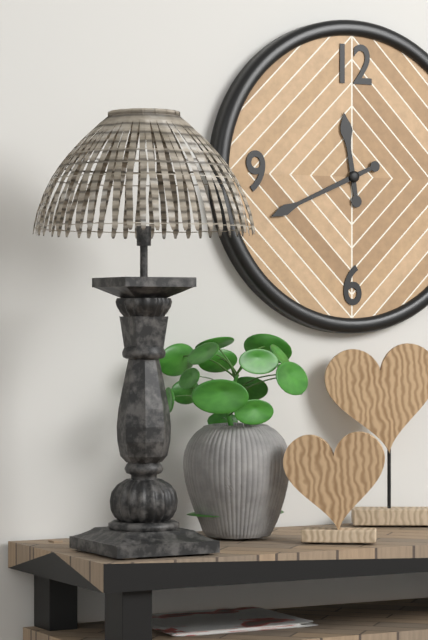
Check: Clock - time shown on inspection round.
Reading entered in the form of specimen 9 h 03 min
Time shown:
11 h 41 min
